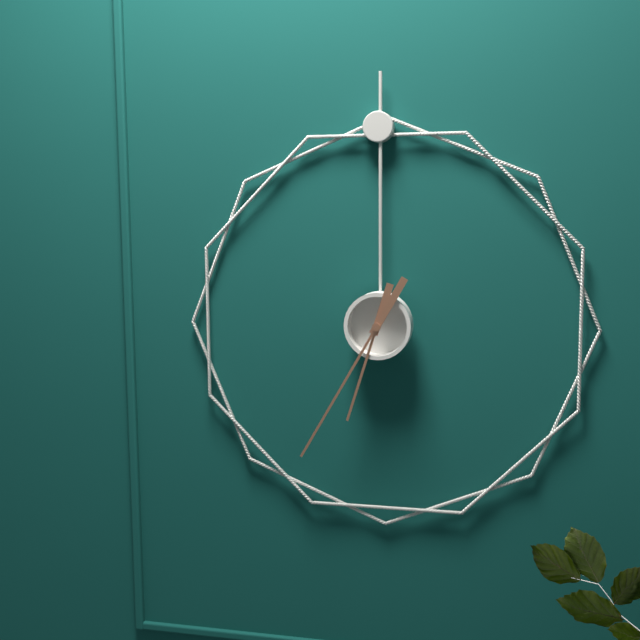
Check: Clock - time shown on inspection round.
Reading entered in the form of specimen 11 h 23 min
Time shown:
6 h 35 min
